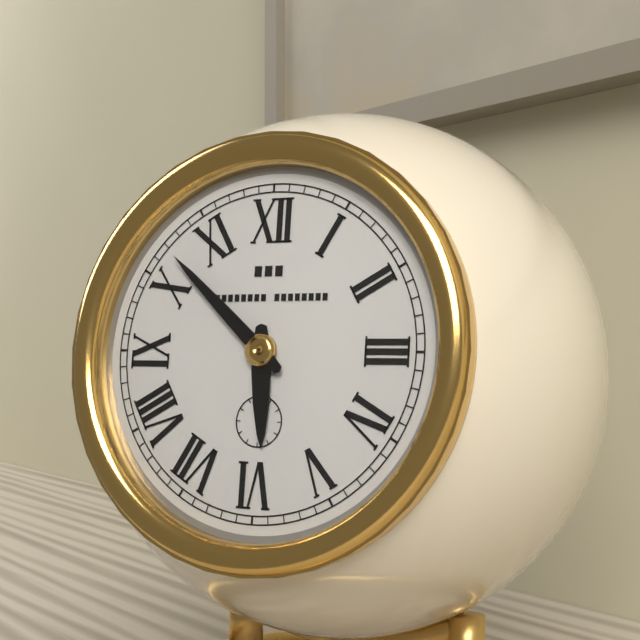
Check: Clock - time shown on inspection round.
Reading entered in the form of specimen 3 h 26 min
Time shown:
5 h 52 min
